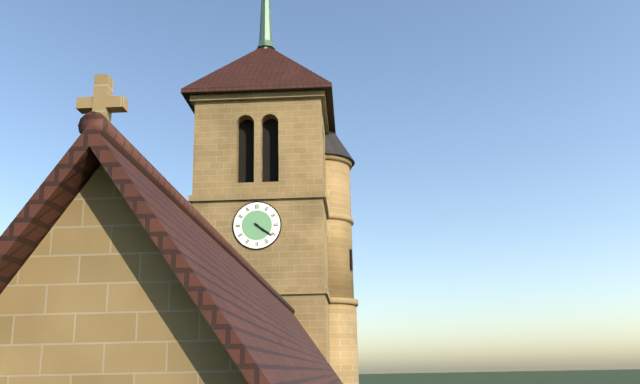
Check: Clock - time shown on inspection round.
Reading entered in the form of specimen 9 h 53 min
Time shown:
4 h 21 min
